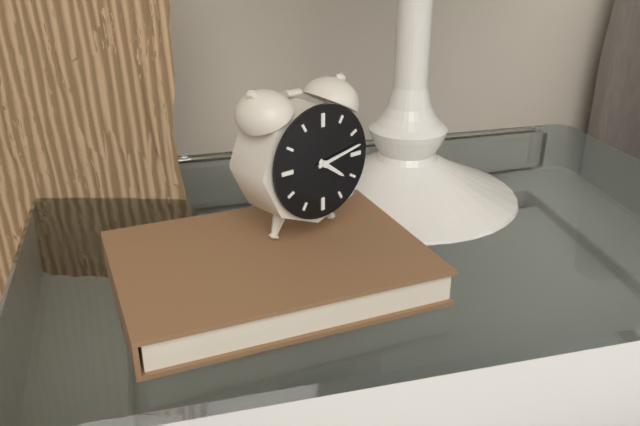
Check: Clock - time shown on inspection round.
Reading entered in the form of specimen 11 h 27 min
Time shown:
4 h 13 min
